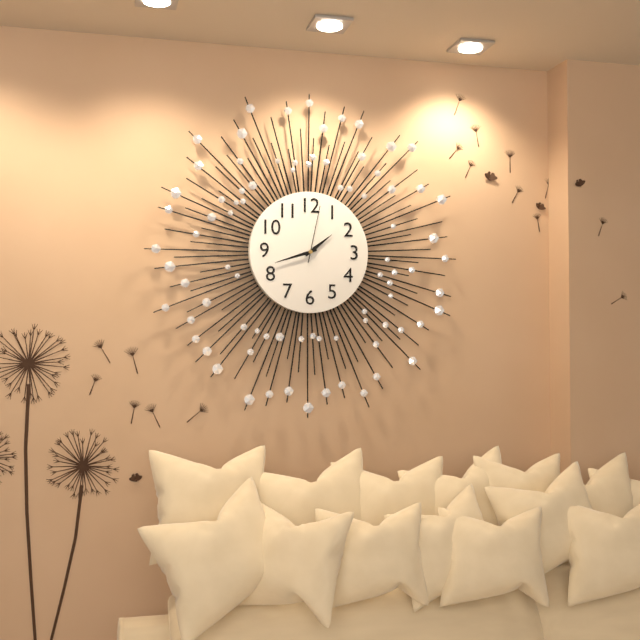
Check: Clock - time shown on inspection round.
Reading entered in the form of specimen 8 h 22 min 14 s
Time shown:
1 h 42 min 02 s
